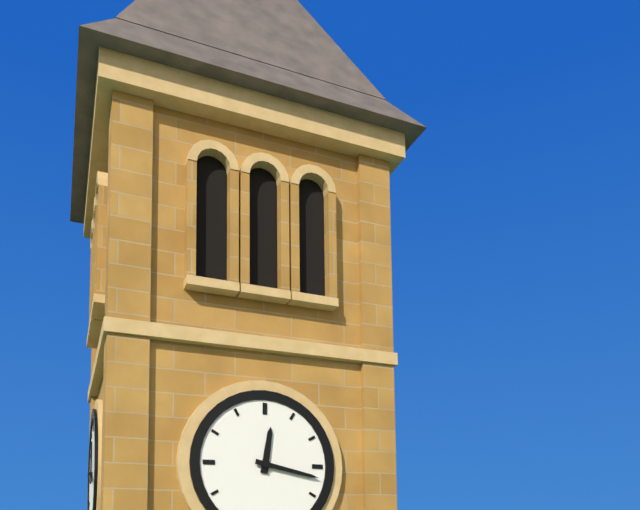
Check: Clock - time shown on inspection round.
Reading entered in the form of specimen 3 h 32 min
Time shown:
12 h 17 min
